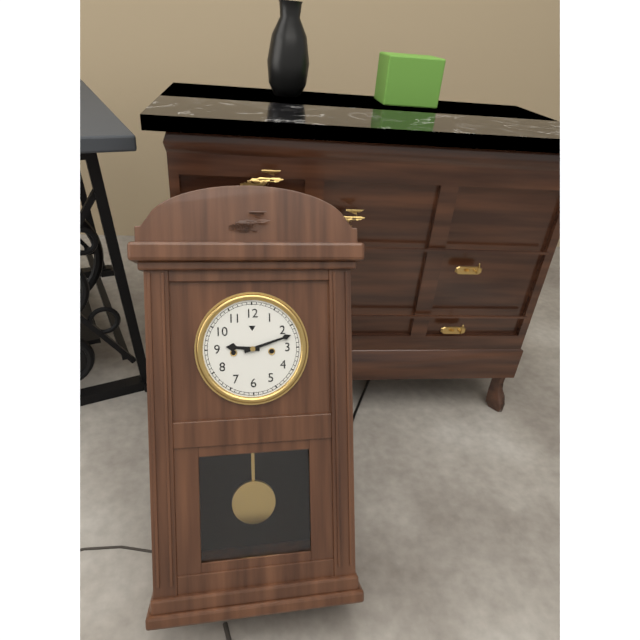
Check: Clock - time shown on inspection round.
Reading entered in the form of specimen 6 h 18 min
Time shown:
9 h 12 min
